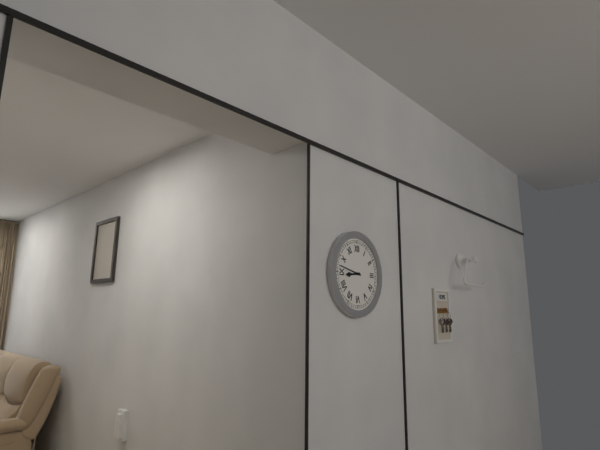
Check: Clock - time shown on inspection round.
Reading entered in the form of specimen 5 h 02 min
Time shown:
8 h 47 min
